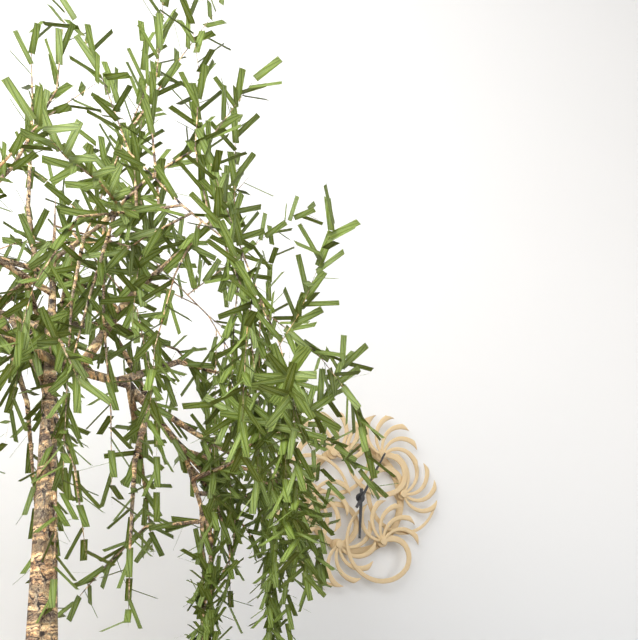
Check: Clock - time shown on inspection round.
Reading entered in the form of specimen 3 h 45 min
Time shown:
6 h 05 min
